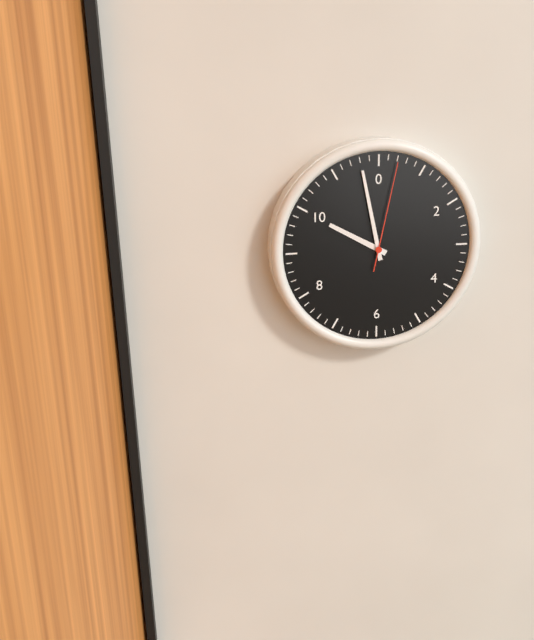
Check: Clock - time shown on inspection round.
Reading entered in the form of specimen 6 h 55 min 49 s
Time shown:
9 h 58 min 02 s
